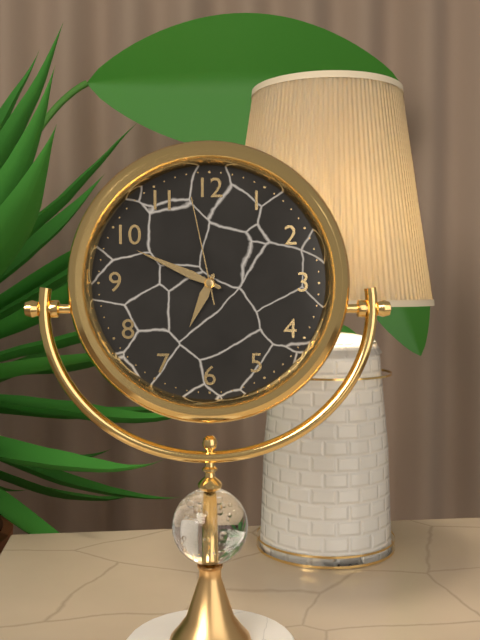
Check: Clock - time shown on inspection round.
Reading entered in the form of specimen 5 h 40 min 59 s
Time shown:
6 h 49 min 58 s
